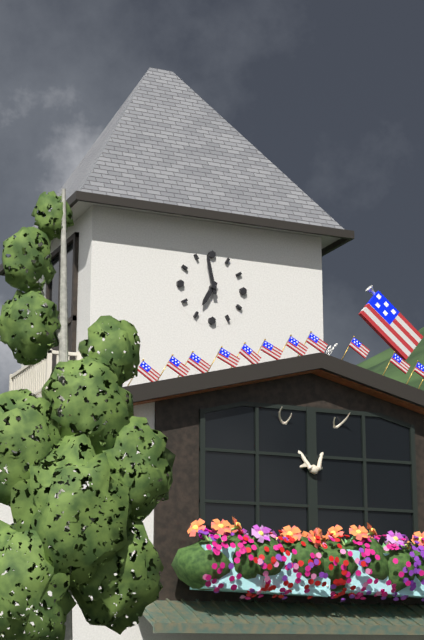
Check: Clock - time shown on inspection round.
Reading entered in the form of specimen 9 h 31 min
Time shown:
6 h 58 min
